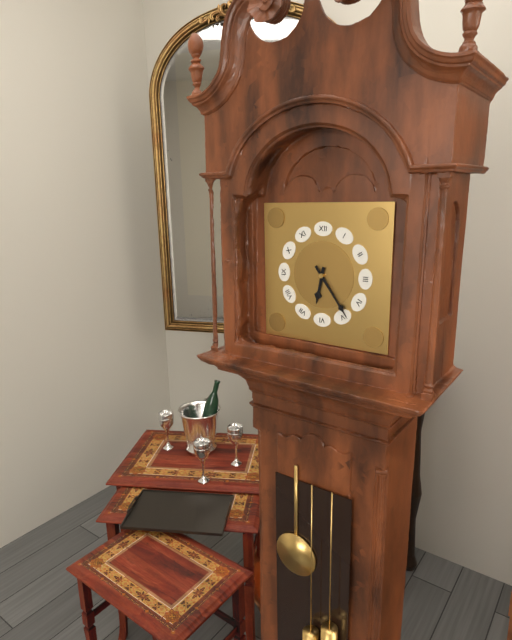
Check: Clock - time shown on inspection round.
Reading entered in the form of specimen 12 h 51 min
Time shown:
6 h 24 min
